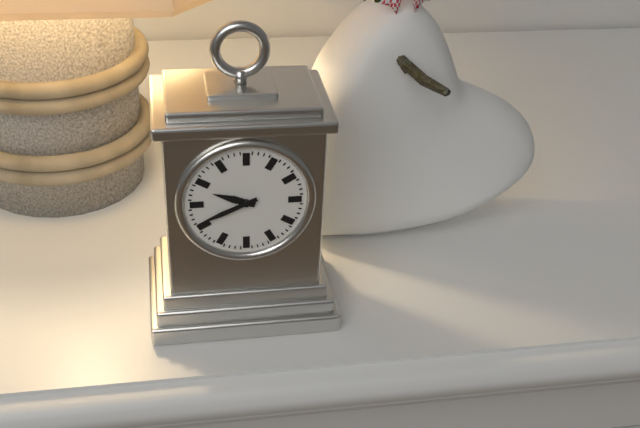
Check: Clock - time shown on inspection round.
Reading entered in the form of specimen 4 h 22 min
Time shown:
9 h 41 min
